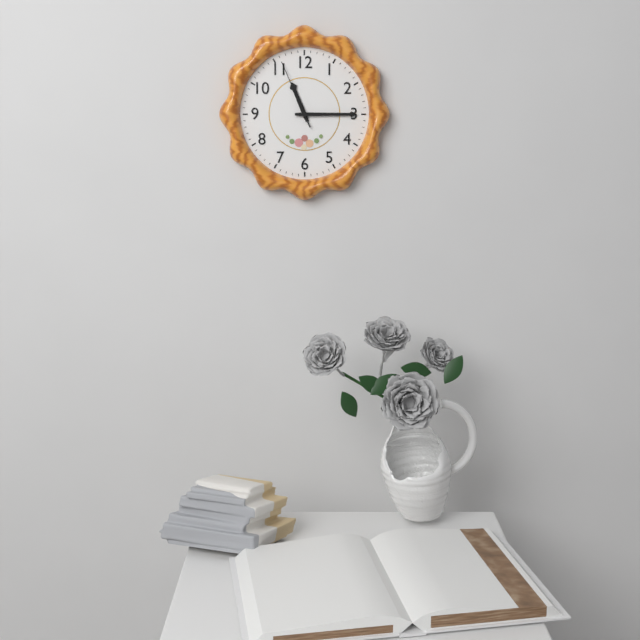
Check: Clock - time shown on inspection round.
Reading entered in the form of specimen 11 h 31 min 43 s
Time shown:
11 h 15 min 56 s
